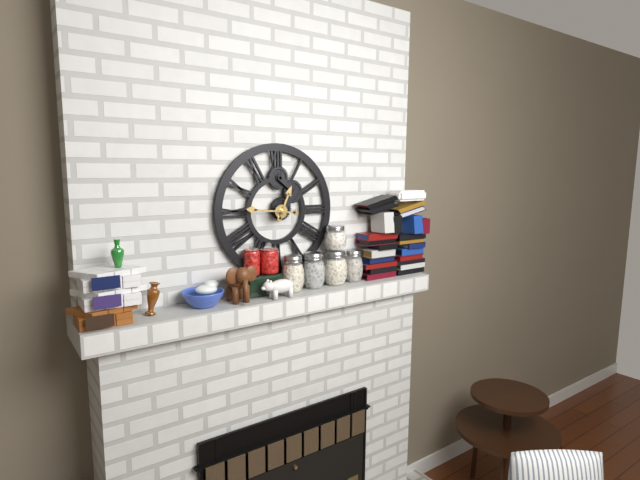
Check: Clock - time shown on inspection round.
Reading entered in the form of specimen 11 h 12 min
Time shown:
12 h 46 min
